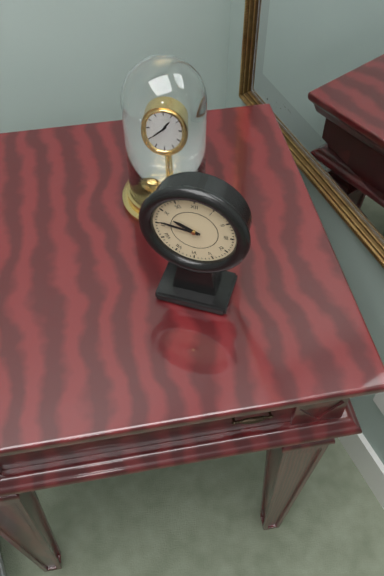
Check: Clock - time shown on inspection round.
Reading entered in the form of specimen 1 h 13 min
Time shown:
9 h 46 min
